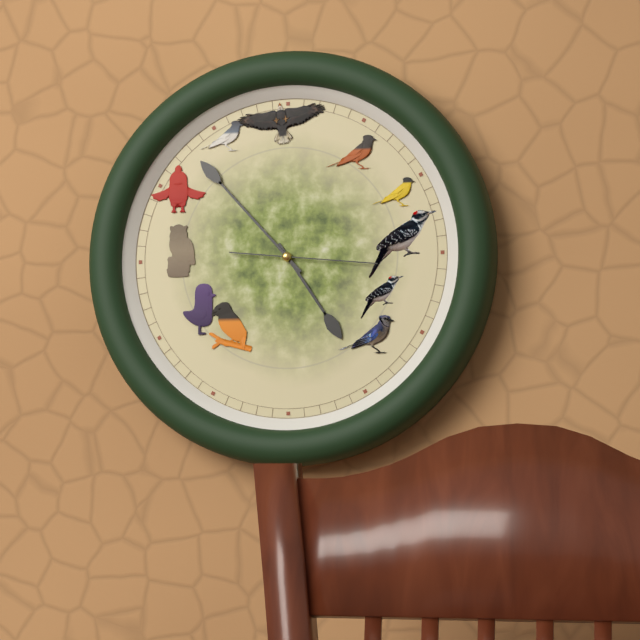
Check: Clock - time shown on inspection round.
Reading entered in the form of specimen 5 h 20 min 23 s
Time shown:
4 h 53 min 16 s
